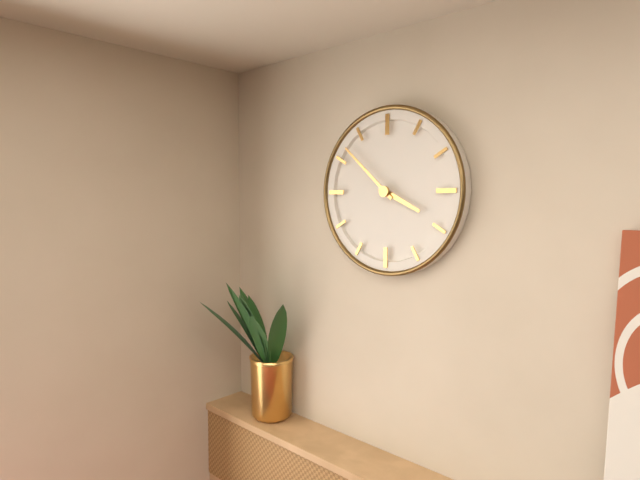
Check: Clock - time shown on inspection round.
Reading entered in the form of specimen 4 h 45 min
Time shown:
3 h 52 min
